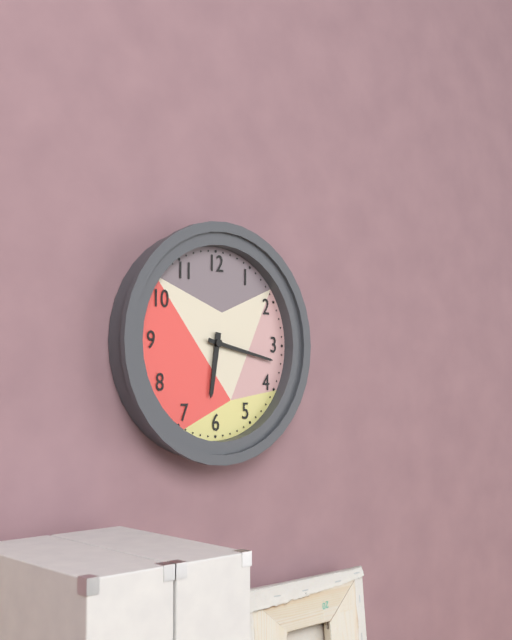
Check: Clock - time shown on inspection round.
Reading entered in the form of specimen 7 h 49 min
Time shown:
6 h 17 min
